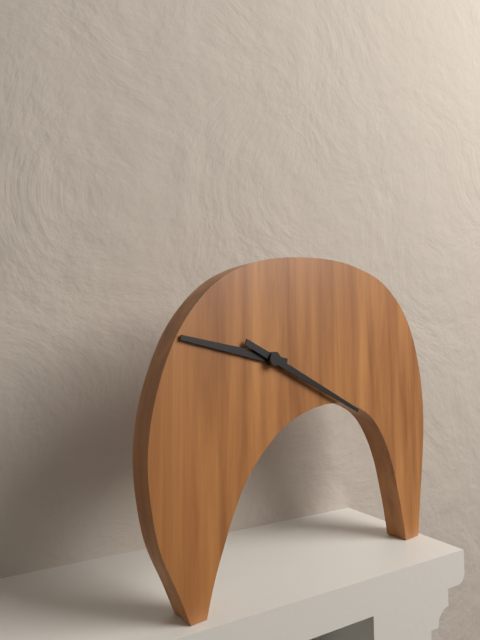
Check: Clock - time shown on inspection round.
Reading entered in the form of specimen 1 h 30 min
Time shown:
9 h 19 min
